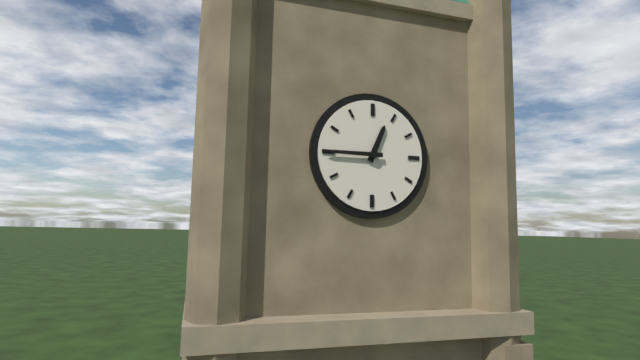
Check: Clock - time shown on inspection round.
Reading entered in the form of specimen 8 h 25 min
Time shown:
12 h 45 min
